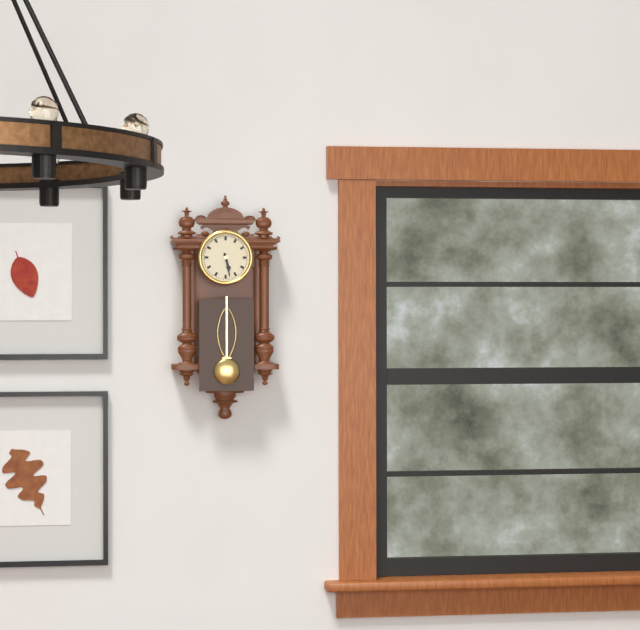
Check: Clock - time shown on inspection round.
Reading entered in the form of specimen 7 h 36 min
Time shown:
5 h 28 min
